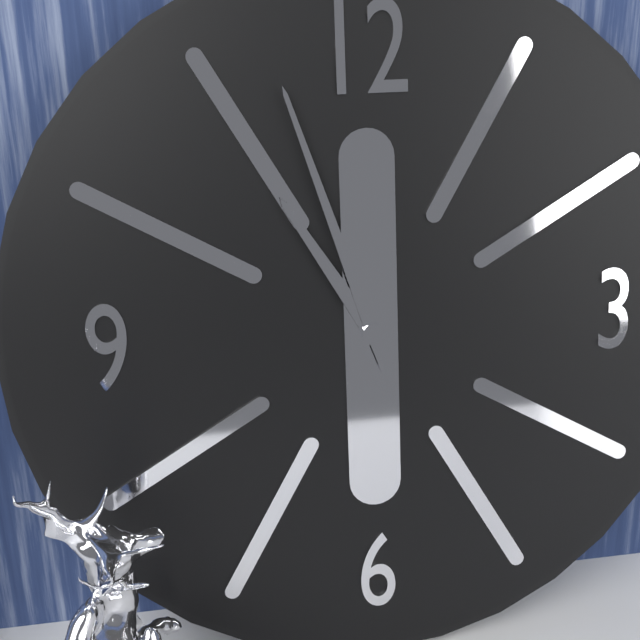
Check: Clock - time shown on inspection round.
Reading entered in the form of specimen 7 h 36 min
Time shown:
10 h 57 min
